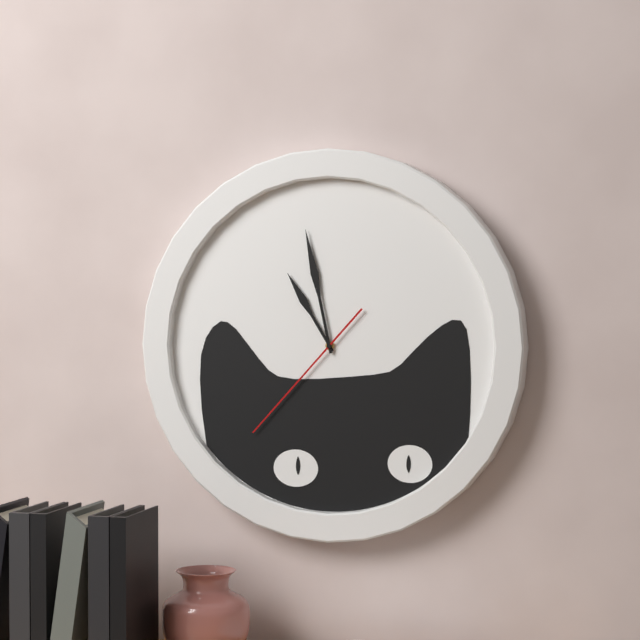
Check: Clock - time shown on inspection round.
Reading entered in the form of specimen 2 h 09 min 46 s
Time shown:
10 h 58 min 37 s
